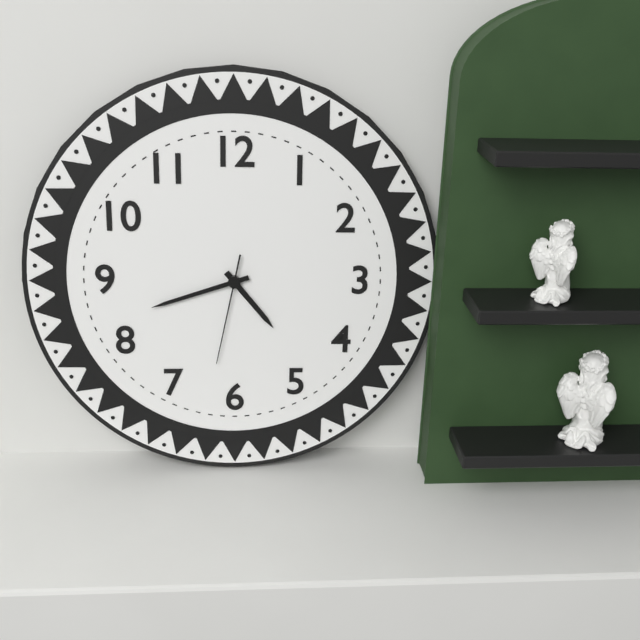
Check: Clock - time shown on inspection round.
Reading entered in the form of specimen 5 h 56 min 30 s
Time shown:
4 h 42 min 32 s
